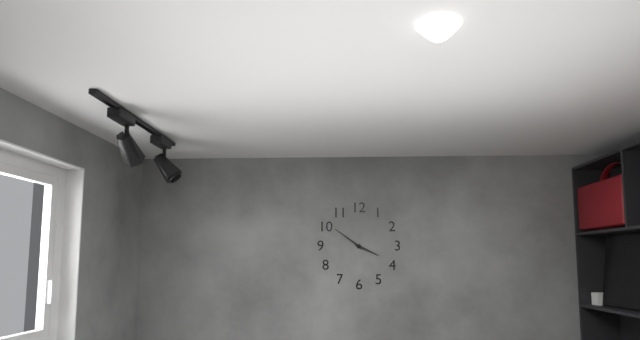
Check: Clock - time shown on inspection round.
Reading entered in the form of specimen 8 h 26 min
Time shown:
3 h 51 min
